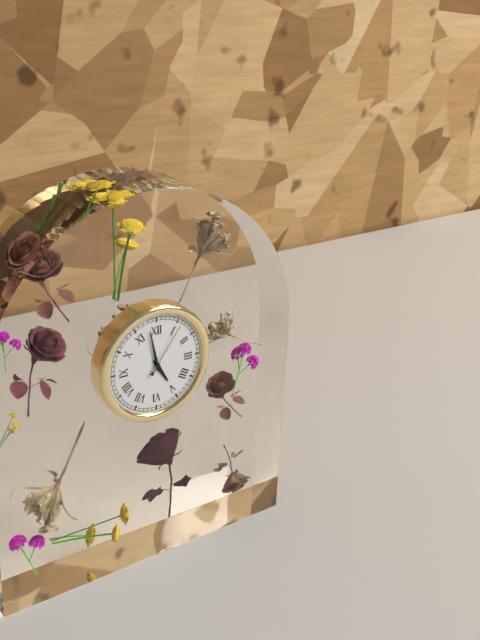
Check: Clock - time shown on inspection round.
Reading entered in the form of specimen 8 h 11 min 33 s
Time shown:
4 h 58 min 06 s
